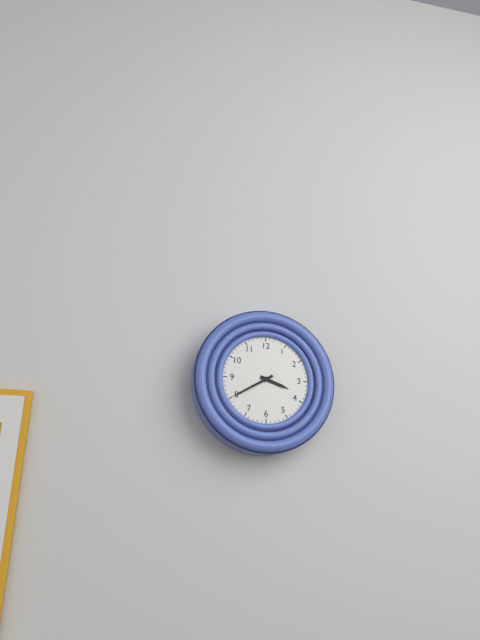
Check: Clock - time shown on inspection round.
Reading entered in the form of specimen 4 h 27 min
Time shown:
3 h 40 min
